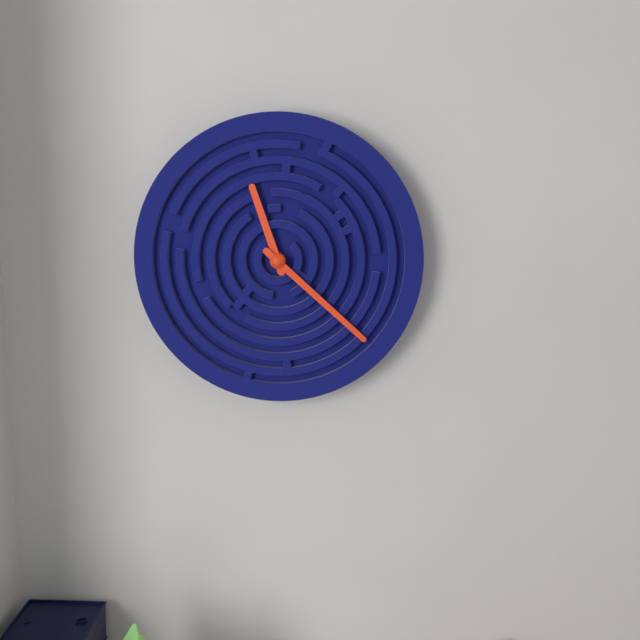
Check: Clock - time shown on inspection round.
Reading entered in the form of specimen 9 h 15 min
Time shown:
11 h 22 min
